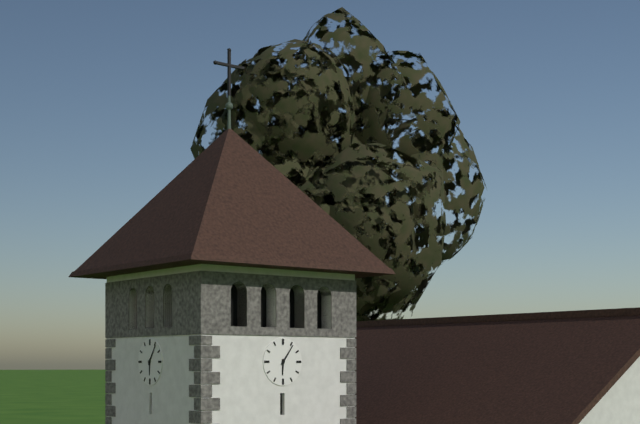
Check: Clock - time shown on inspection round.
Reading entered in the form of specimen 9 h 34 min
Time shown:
6 h 06 min
